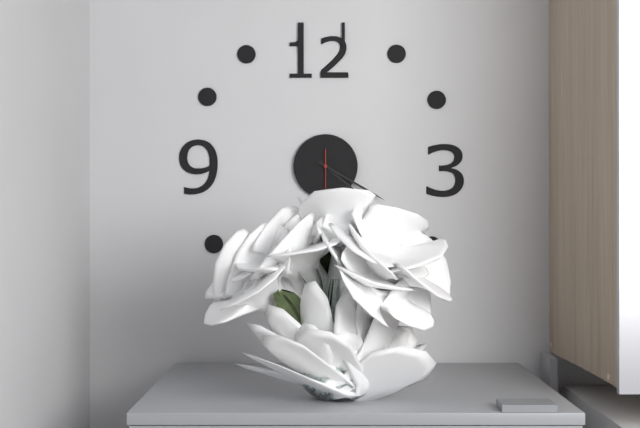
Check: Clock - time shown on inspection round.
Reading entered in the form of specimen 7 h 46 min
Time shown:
4 h 20 min
